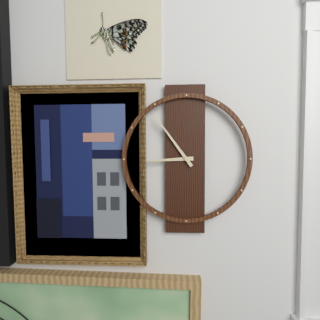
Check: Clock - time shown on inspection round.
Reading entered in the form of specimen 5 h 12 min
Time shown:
8 h 54 min
